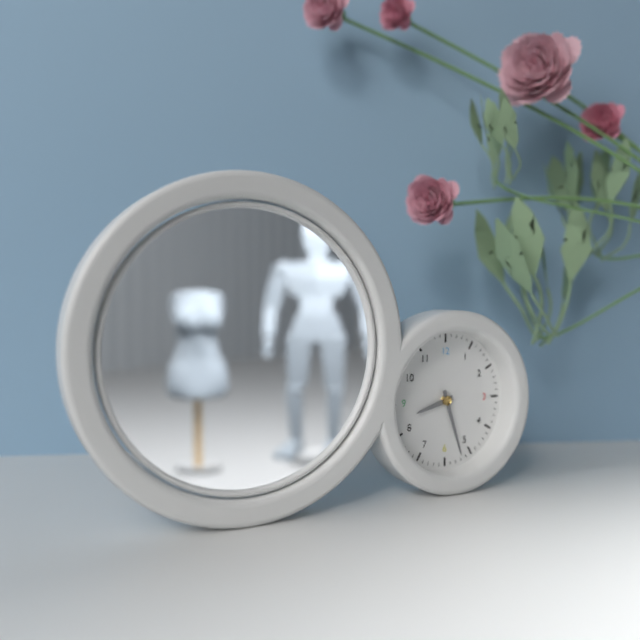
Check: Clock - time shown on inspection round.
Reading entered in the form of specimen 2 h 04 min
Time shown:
8 h 27 min
